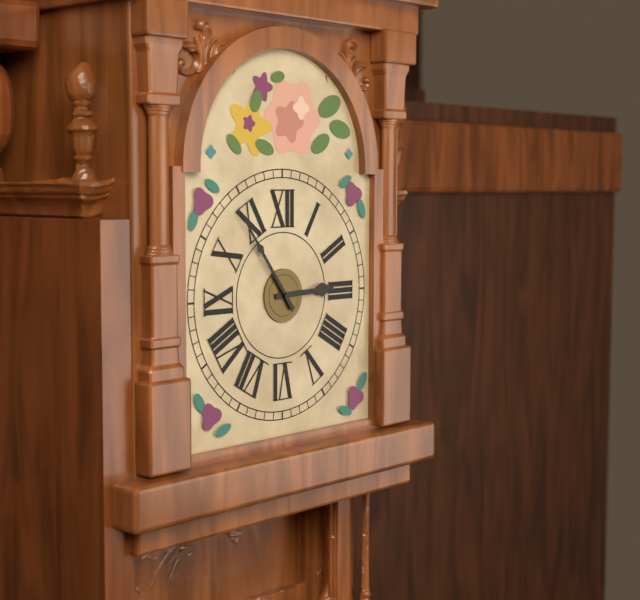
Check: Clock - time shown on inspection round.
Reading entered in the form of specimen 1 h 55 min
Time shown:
2 h 54 min
